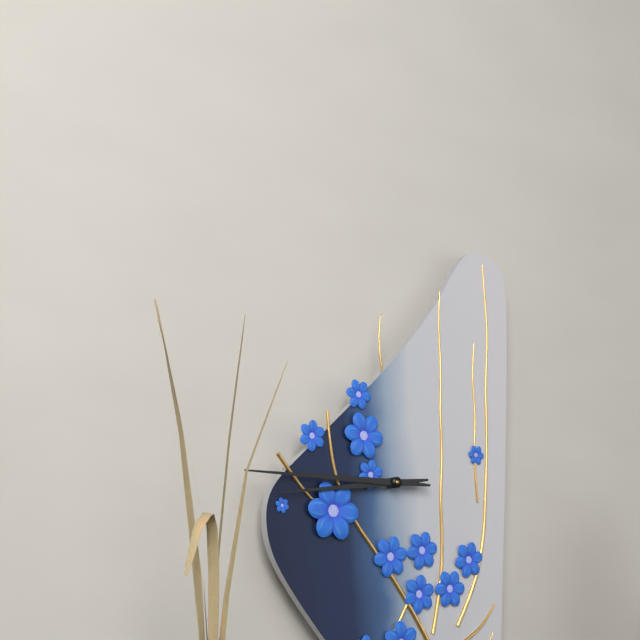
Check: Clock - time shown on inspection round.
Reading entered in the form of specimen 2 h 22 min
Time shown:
8 h 45 min
